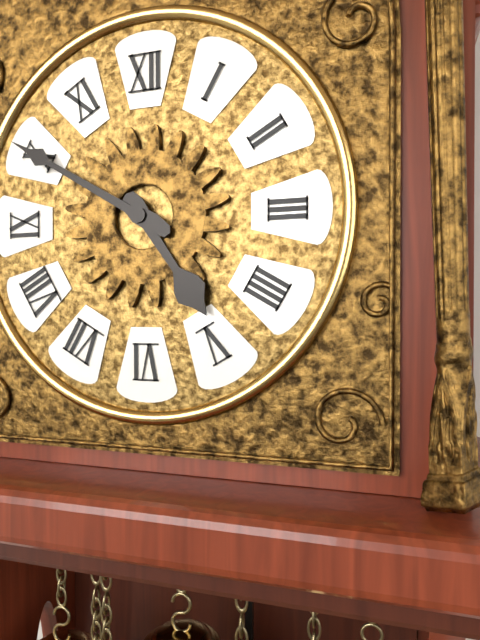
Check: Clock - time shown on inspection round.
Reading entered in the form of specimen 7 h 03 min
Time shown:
4 h 50 min
